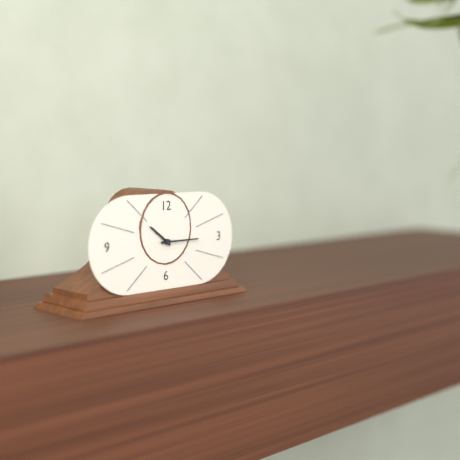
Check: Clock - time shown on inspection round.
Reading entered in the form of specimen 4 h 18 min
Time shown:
10 h 15 min
